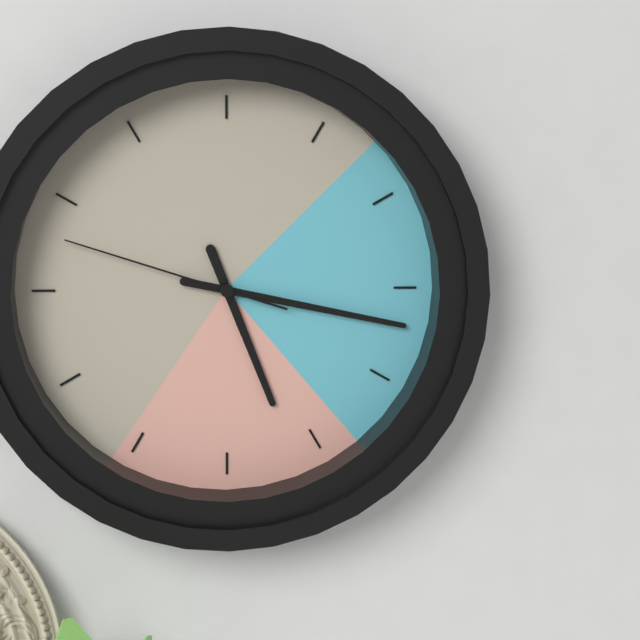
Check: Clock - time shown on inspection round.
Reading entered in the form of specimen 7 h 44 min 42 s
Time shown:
5 h 17 min 48 s
